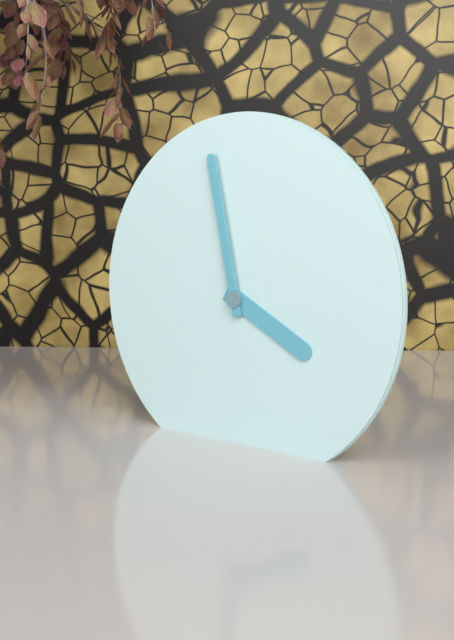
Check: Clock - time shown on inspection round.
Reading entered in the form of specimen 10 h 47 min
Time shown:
3 h 58 min
